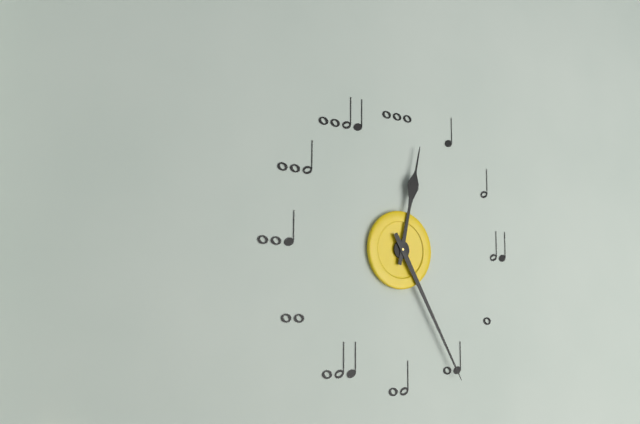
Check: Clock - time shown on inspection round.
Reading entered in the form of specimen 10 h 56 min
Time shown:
12 h 25 min
